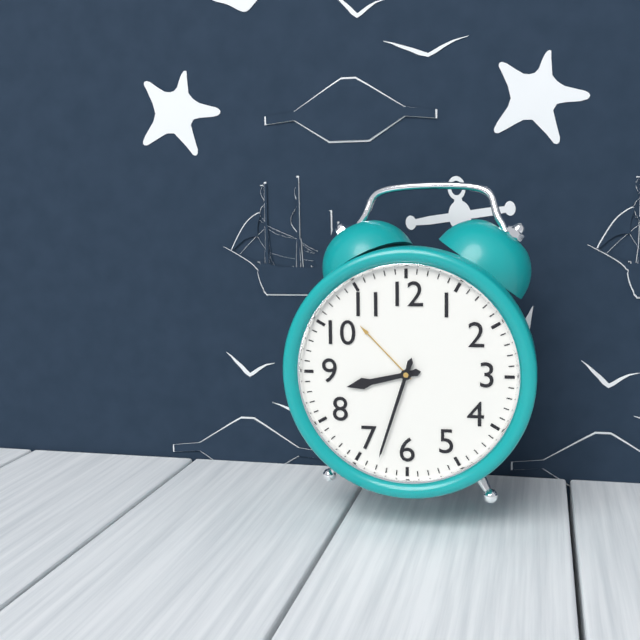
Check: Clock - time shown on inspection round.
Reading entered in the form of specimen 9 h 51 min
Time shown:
8 h 33 min
